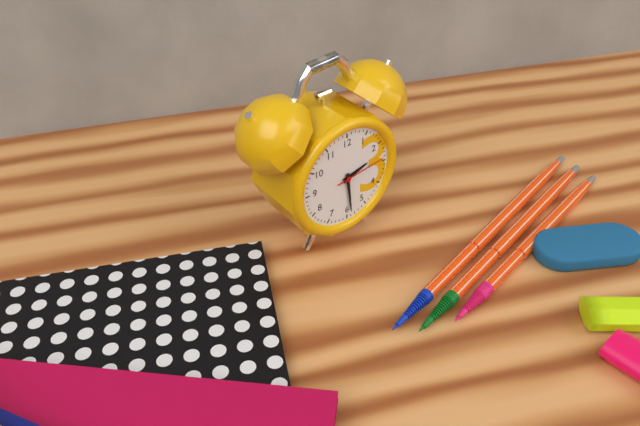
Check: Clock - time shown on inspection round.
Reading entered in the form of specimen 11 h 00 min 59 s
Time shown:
2 h 29 min 14 s
